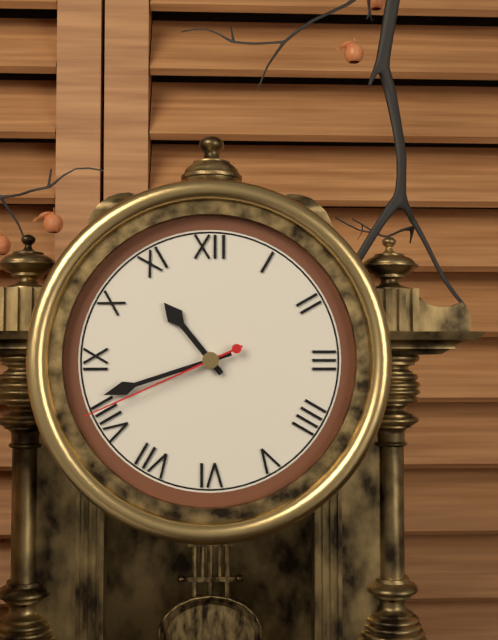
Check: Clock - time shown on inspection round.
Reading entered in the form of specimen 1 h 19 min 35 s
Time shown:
10 h 42 min 41 s
